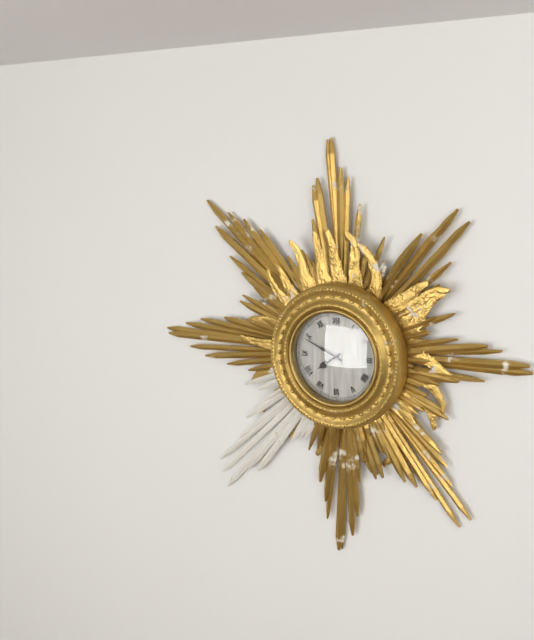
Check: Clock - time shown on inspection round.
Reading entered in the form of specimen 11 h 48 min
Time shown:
7 h 49 min
